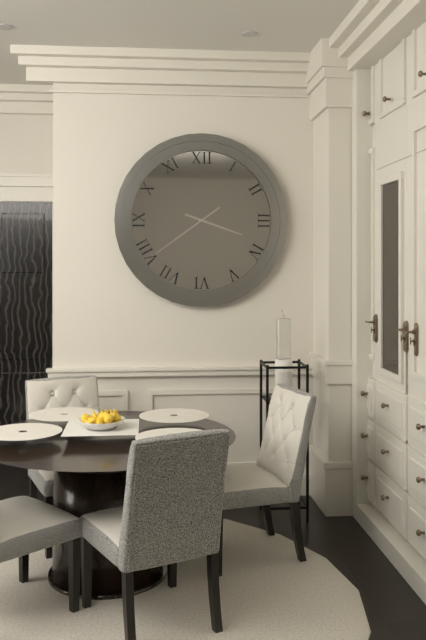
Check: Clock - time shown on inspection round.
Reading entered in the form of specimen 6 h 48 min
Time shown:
3 h 39 min
